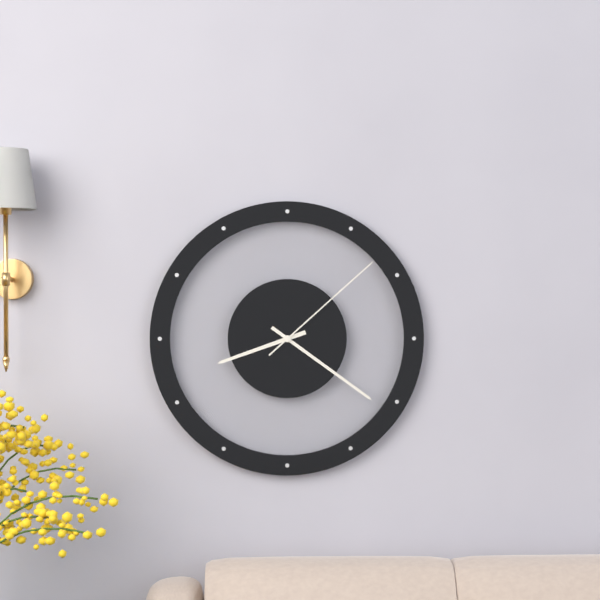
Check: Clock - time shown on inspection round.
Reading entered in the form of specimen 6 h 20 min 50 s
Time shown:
8 h 21 min 08 s
